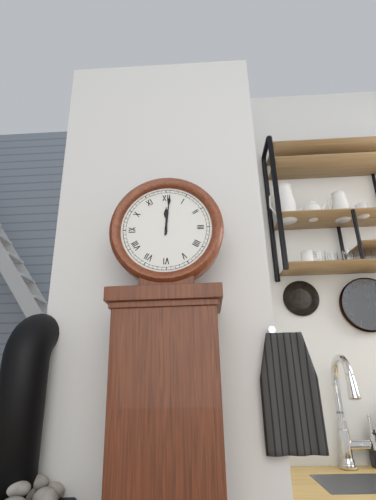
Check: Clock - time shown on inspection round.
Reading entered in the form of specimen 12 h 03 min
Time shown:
12 h 01 min
